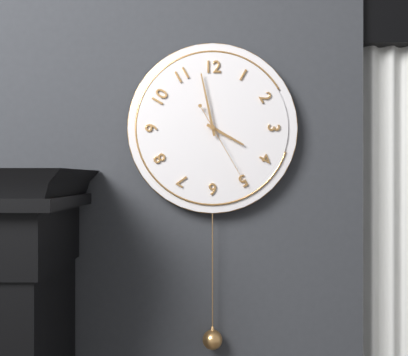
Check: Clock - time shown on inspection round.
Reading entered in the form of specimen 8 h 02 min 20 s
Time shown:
3 h 58 min 25 s
